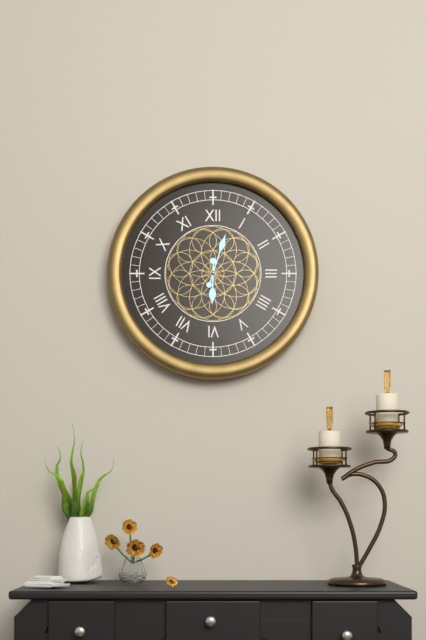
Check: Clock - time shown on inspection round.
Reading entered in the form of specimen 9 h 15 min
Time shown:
6 h 03 min
